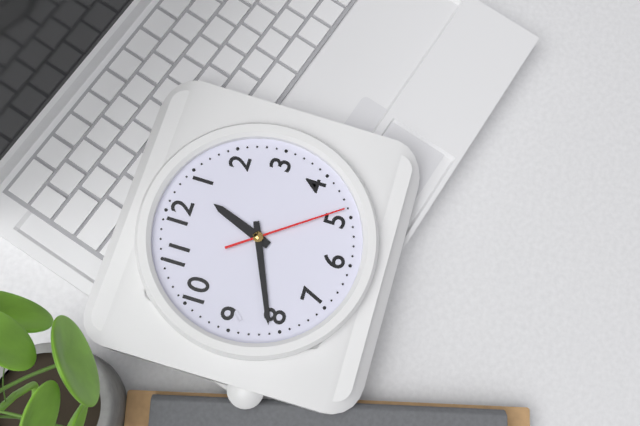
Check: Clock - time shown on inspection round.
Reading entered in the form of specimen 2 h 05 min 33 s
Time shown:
12 h 41 min 24 s
